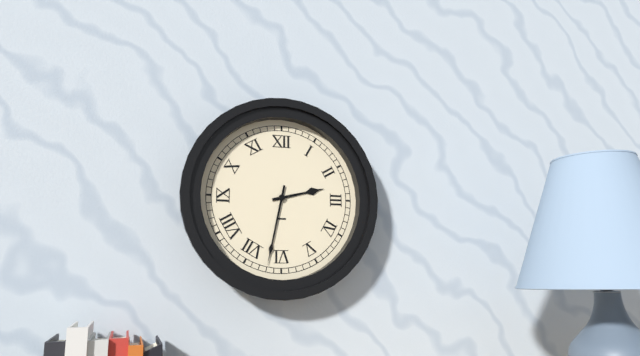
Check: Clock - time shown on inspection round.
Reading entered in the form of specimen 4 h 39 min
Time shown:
2 h 32 min
